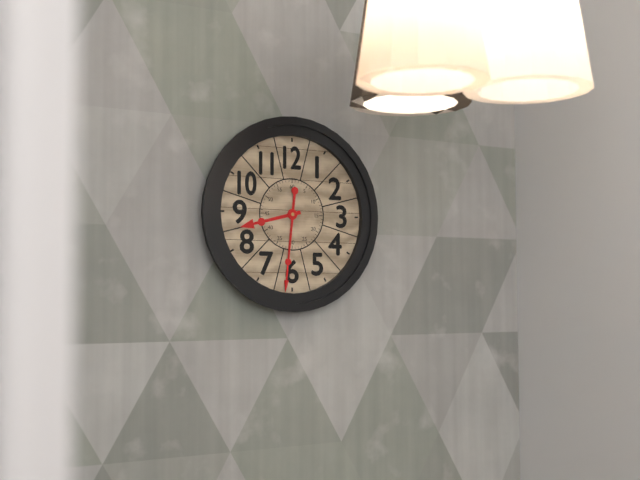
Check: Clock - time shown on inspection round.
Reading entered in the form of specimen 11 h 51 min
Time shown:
8 h 31 min
